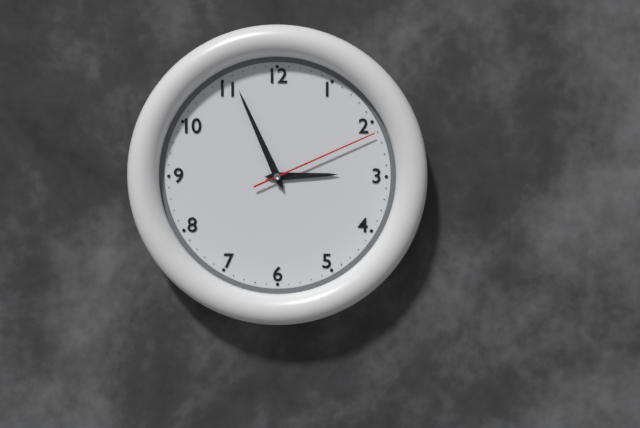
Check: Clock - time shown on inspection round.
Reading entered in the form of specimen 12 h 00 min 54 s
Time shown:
2 h 56 min 11 s
